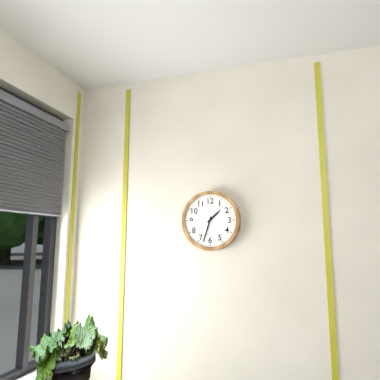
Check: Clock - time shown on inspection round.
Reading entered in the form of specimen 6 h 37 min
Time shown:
1 h 33 min
